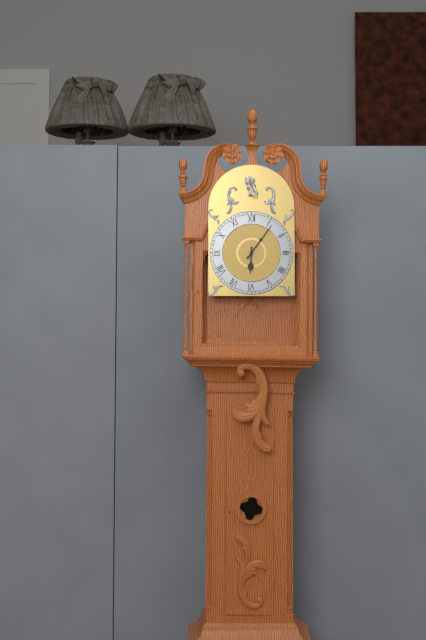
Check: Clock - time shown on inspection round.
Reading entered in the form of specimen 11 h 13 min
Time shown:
6 h 06 min
